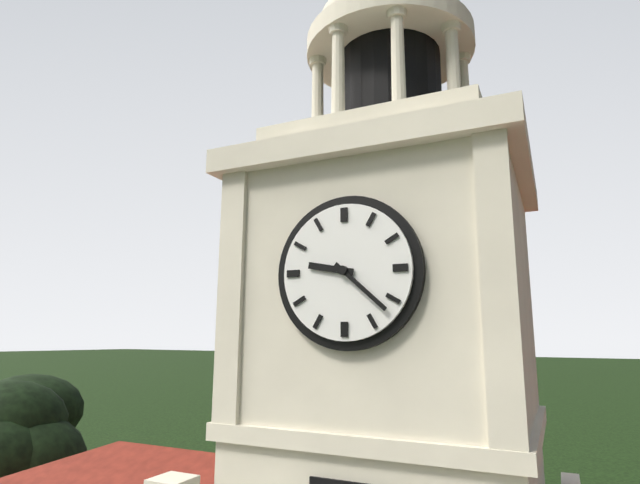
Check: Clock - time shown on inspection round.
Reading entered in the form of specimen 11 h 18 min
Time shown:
9 h 22 min
